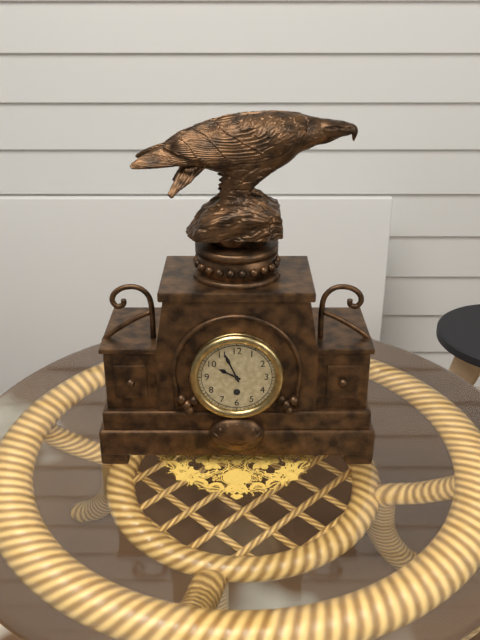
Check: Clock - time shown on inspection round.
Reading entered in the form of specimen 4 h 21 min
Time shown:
9 h 56 min
